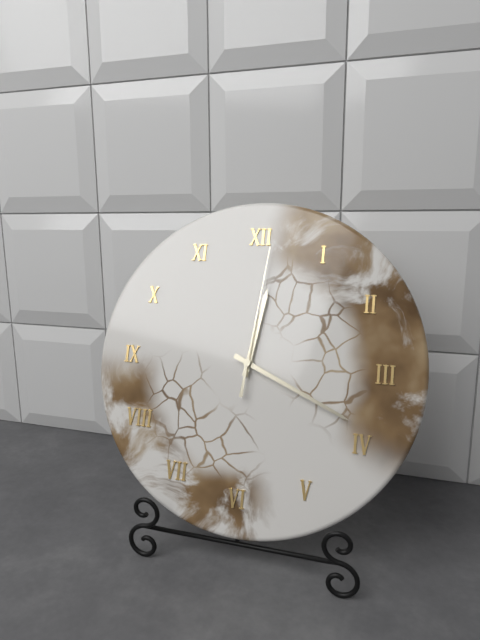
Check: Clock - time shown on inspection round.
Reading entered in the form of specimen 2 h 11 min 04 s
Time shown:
12 h 19 min 01 s
